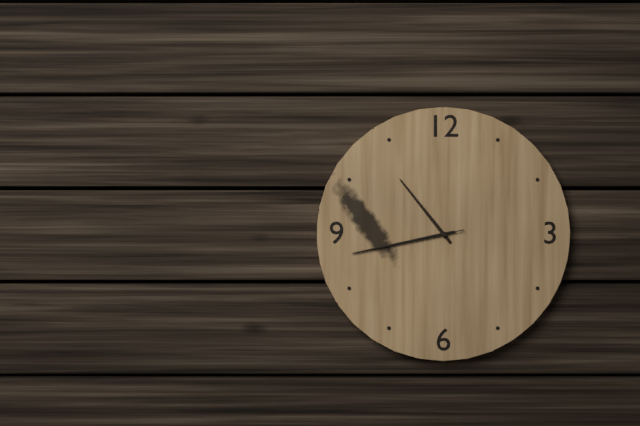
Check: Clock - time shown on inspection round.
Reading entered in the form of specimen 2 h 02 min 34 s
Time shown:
10 h 43 min 43 s
